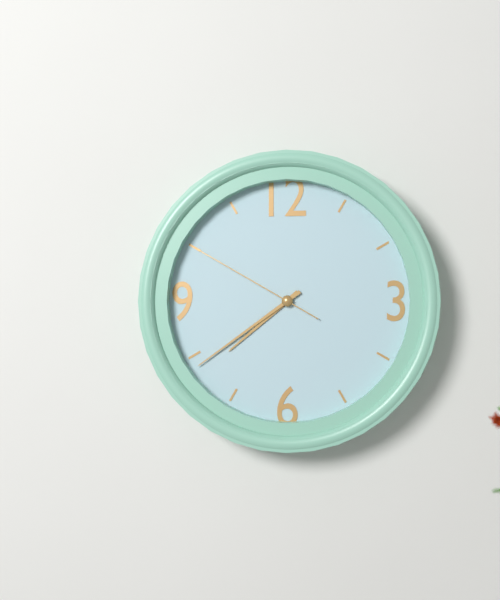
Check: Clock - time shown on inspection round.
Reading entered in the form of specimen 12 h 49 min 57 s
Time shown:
7 h 39 min 50 s
